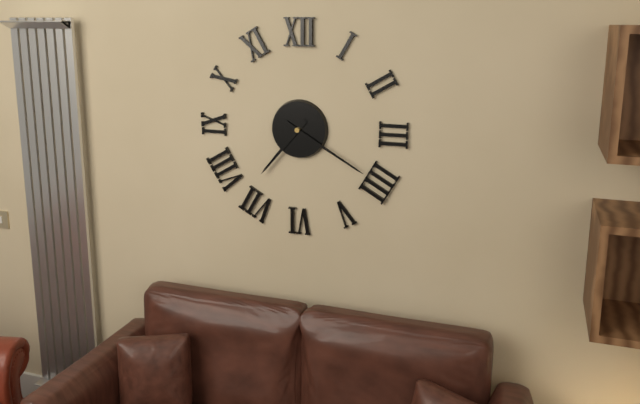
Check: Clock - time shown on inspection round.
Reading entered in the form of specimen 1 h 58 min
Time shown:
7 h 20 min
